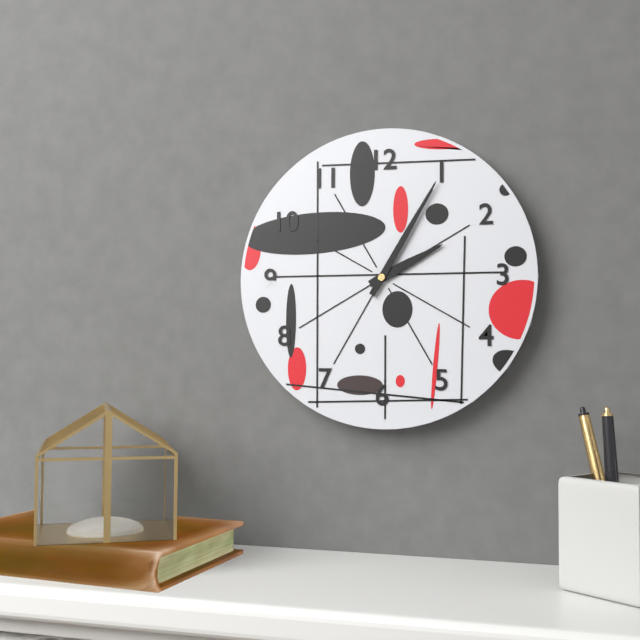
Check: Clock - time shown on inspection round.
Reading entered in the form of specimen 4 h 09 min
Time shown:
2 h 05 min
